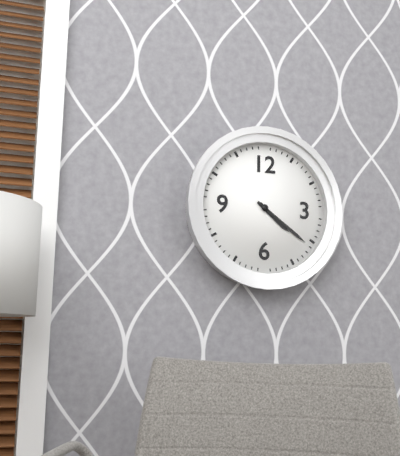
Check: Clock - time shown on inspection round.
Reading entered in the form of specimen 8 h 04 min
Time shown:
4 h 21 min
